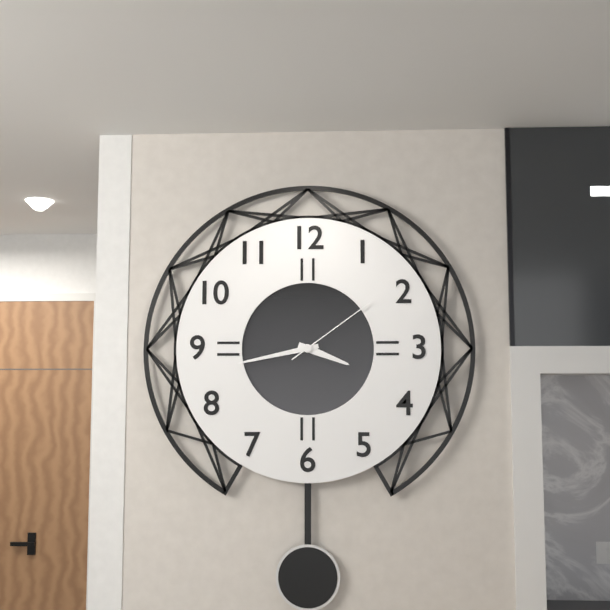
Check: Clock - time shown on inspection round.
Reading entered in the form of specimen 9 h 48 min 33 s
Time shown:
3 h 43 min 09 s
